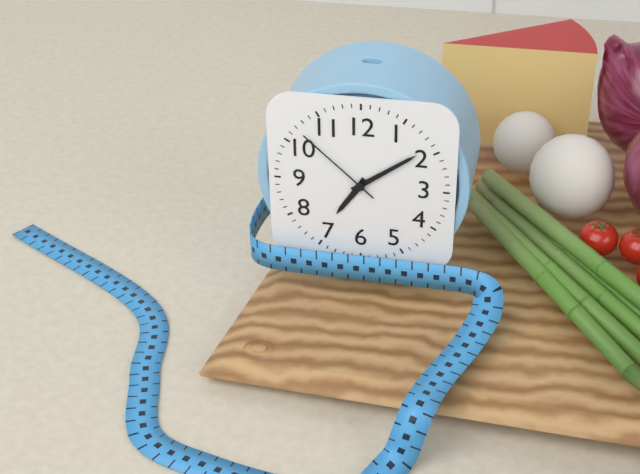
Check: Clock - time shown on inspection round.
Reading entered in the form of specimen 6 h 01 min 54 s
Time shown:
7 h 09 min 52 s
